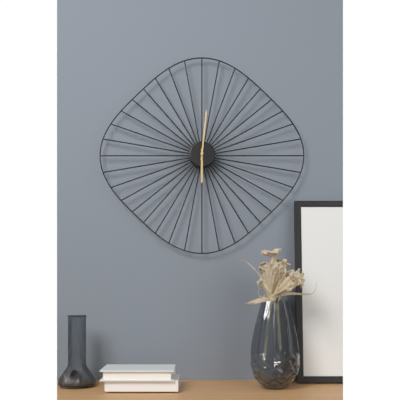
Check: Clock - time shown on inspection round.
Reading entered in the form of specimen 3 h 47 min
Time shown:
6 h 01 min
